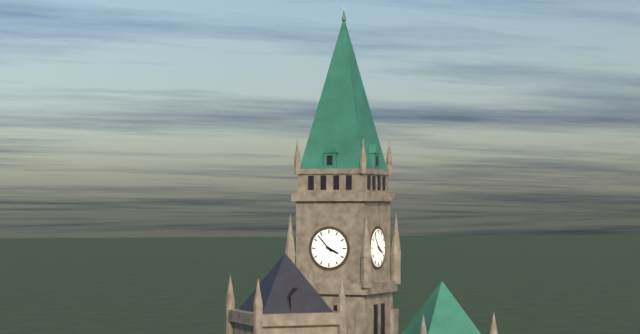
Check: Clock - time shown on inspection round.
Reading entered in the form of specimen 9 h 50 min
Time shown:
3 h 53 min
